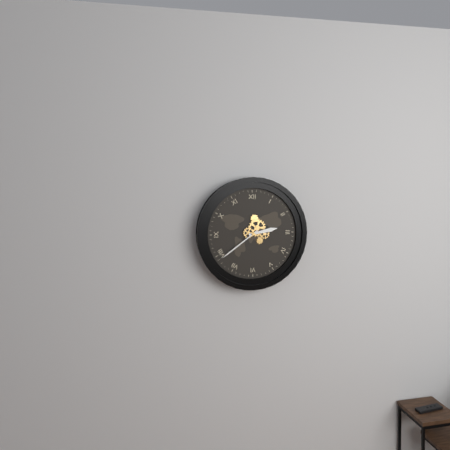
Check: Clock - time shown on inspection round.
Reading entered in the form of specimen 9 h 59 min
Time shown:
2 h 39 min
